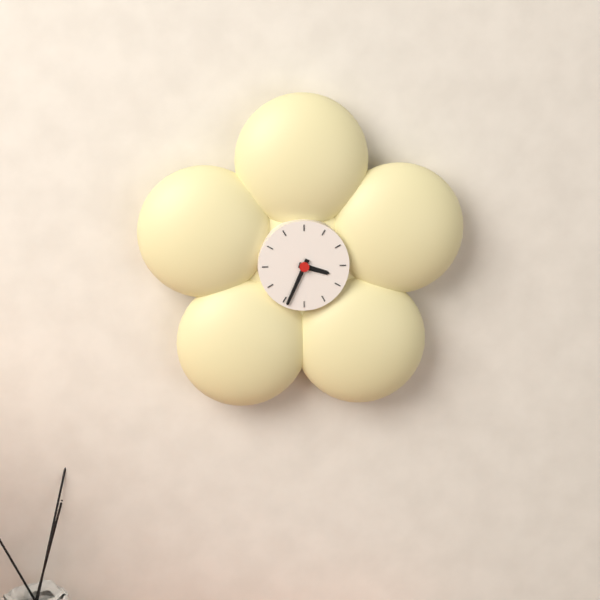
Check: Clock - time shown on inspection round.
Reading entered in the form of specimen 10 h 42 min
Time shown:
3 h 34 min
